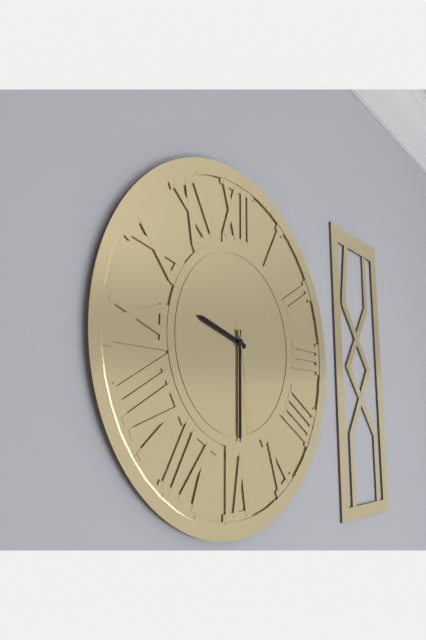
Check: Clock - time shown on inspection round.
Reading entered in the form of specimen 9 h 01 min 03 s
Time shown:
9 h 30 min 28 s
